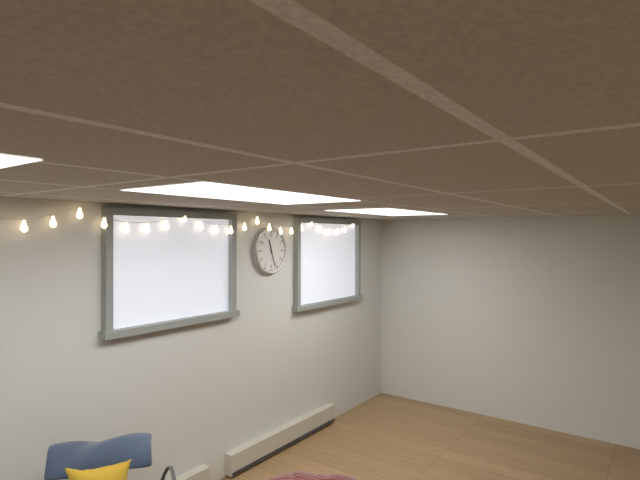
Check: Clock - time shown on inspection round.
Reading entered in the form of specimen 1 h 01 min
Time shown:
11 h 27 min
